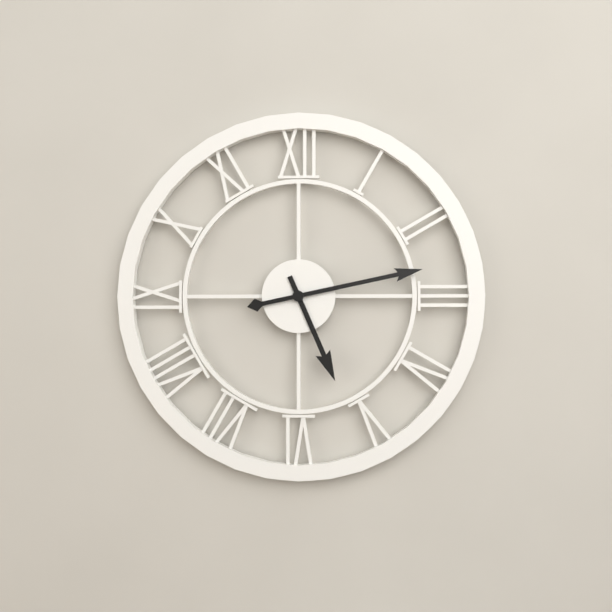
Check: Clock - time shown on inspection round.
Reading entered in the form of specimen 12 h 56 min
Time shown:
5 h 13 min
